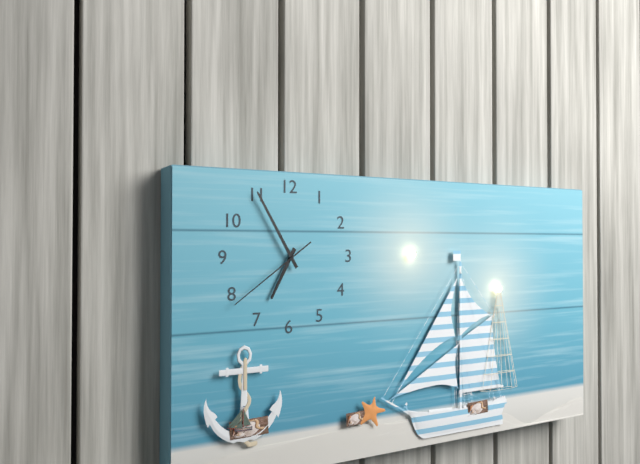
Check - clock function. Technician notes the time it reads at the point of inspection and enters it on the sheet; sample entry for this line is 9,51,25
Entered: 6,55,39
